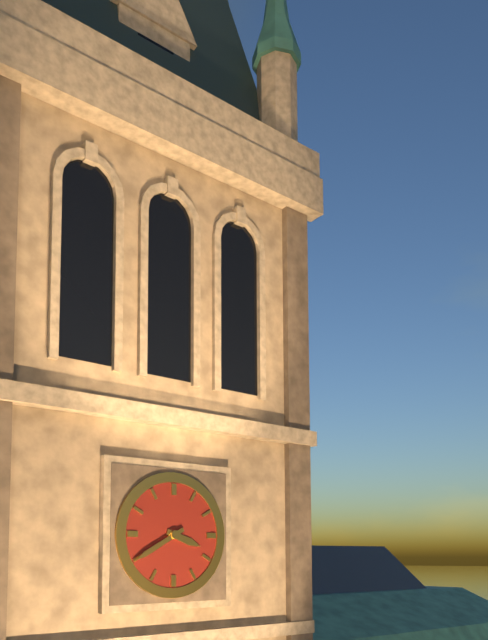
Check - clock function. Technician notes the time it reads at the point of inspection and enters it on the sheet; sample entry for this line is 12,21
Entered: 3,40
